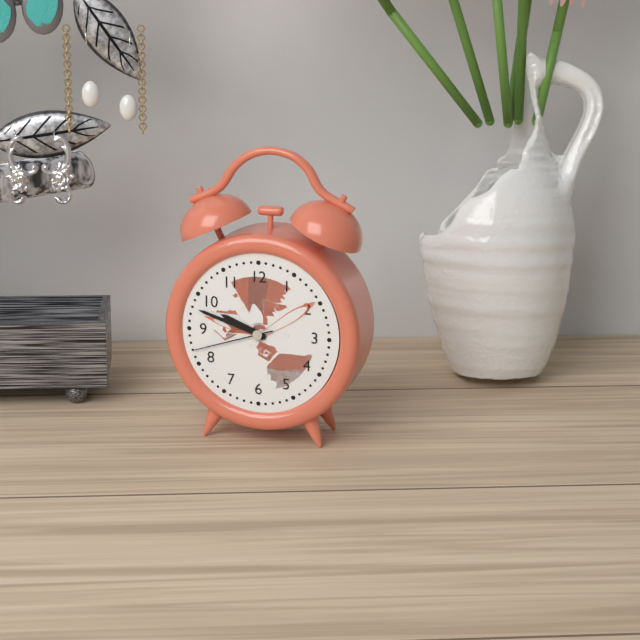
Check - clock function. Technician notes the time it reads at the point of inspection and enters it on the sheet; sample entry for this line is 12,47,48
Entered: 9,48,42
